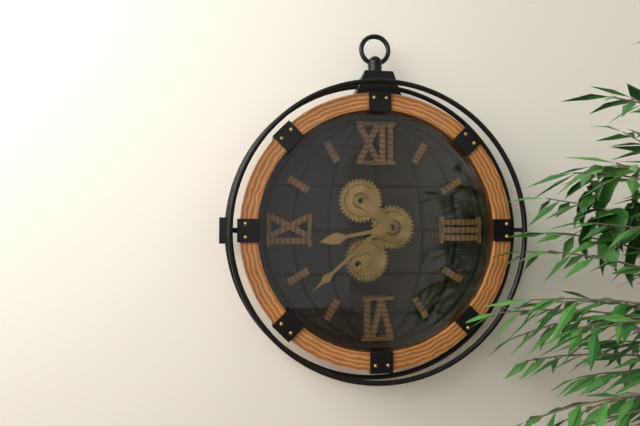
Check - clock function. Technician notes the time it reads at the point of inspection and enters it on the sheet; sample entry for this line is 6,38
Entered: 8,38
